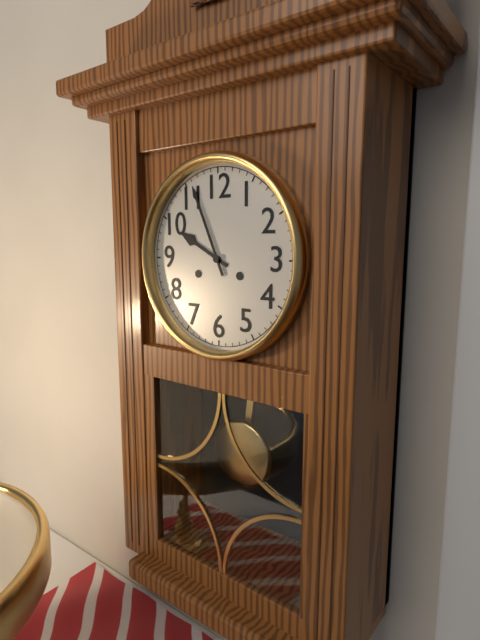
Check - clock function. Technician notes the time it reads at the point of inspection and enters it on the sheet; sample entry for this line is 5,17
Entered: 9,56
